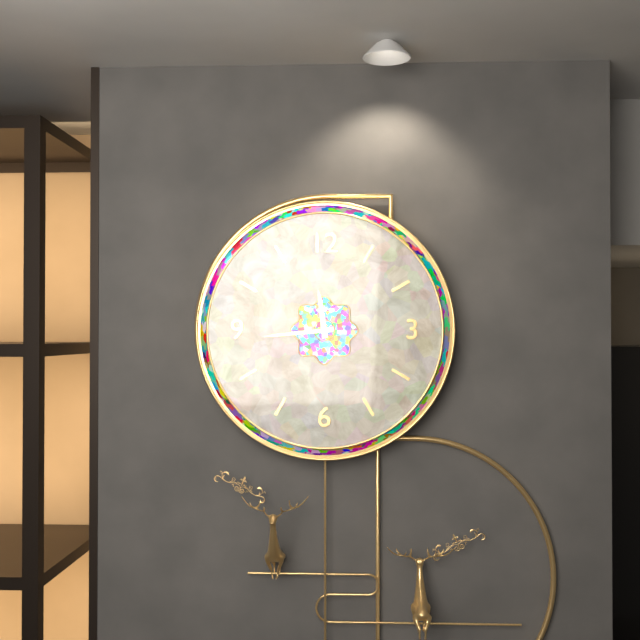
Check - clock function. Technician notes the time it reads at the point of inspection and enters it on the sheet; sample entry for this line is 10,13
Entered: 11,44
